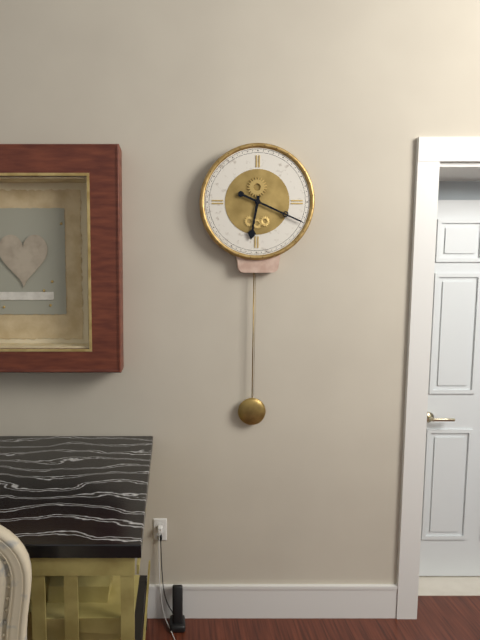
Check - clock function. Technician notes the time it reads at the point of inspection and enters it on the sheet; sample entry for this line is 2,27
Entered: 6,19
